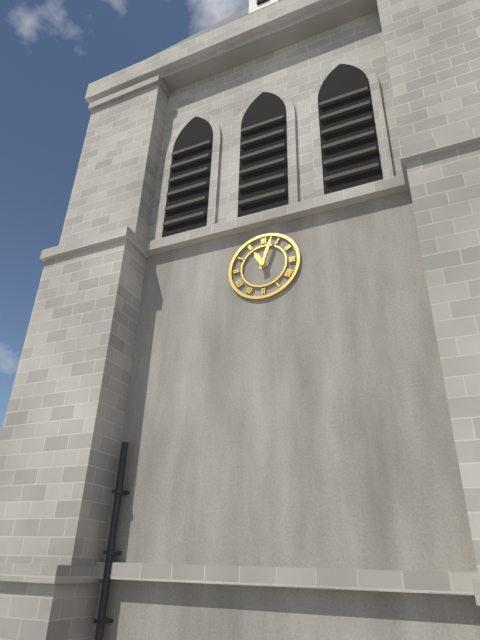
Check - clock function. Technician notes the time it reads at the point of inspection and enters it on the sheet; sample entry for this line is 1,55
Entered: 11,03
